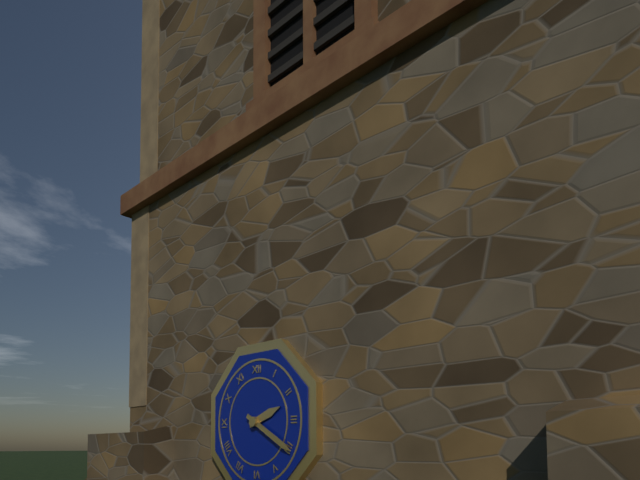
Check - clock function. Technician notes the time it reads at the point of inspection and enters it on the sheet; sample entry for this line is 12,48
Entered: 2,20
